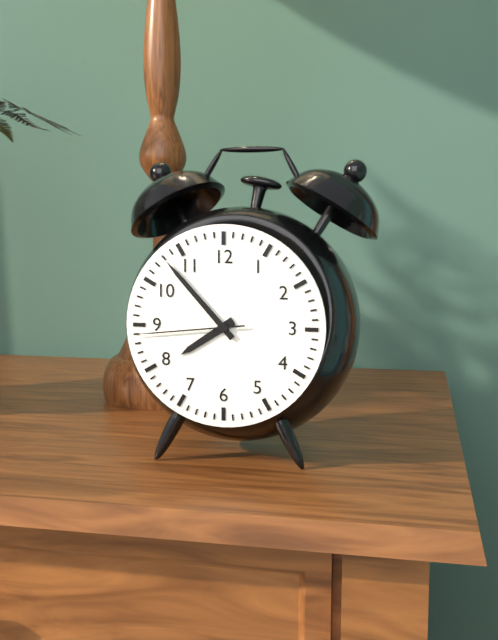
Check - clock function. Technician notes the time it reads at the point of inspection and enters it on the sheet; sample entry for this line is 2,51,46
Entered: 7,53,44
